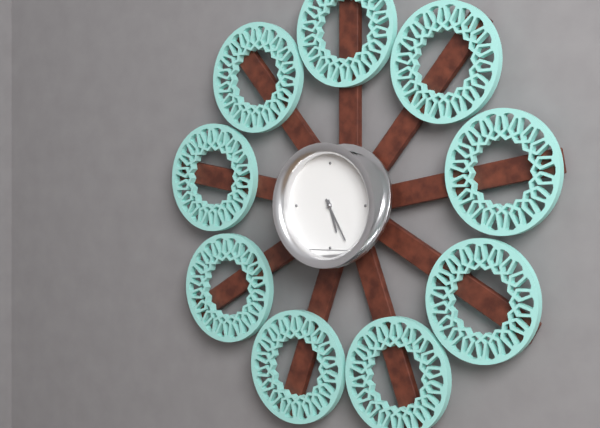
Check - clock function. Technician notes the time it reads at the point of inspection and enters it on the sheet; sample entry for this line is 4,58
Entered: 5,25
